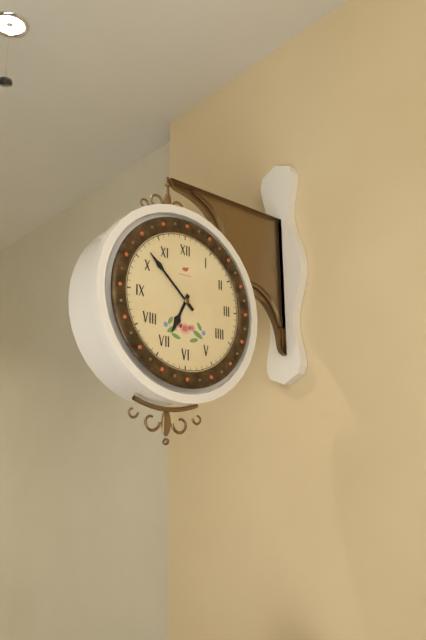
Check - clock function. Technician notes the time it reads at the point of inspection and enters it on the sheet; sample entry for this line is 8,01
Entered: 6,52
